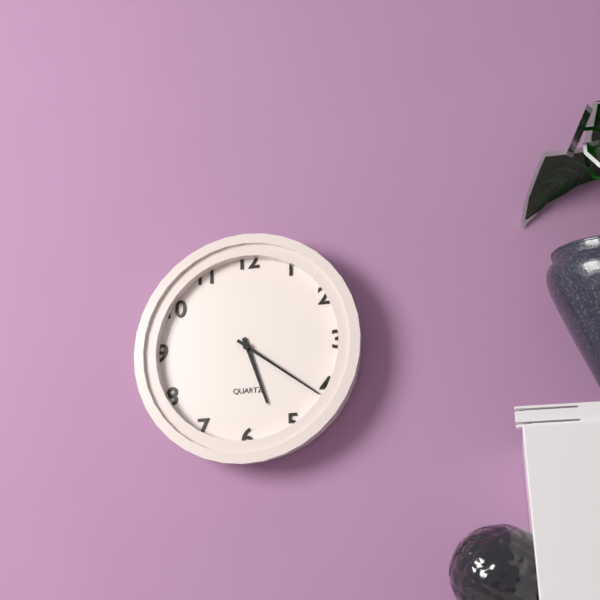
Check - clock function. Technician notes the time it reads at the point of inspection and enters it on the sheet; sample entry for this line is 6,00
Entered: 5,21
